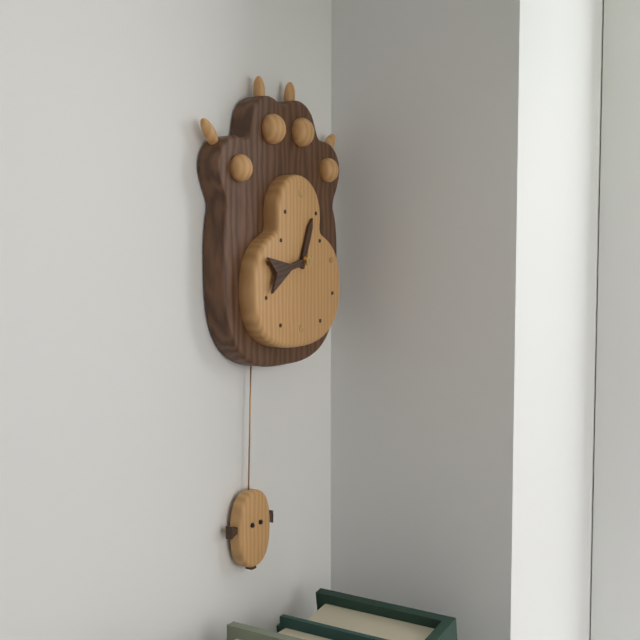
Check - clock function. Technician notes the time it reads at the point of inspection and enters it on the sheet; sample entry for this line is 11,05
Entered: 12,43
